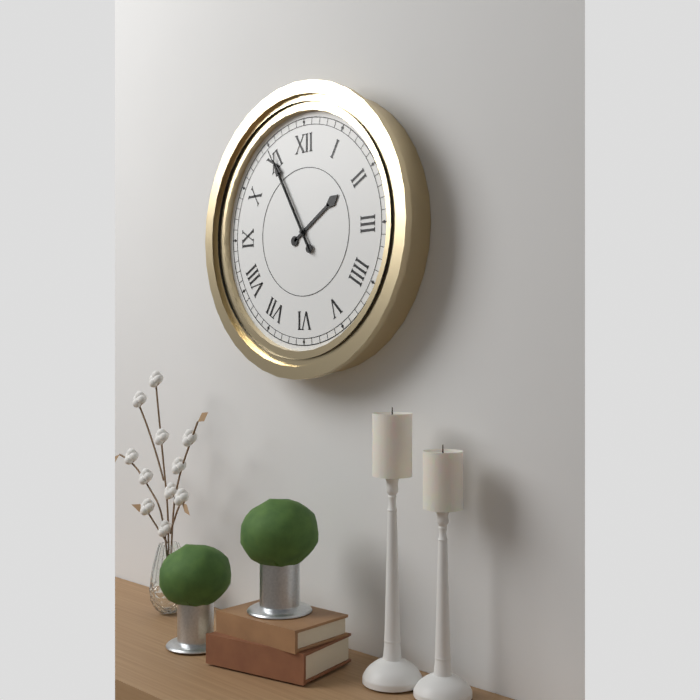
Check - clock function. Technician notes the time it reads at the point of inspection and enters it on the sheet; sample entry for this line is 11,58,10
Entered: 1,55,55
